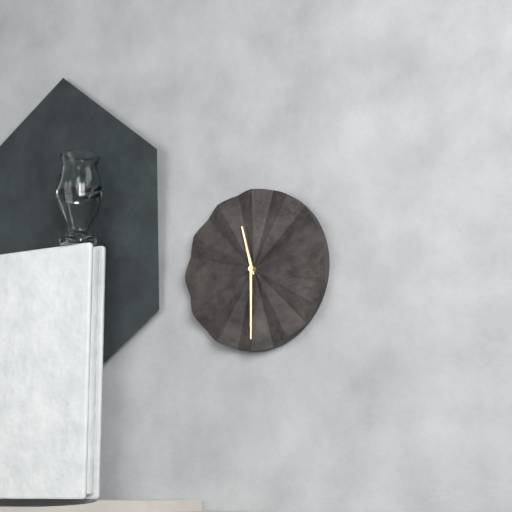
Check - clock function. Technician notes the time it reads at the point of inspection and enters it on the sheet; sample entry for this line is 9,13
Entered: 11,30
